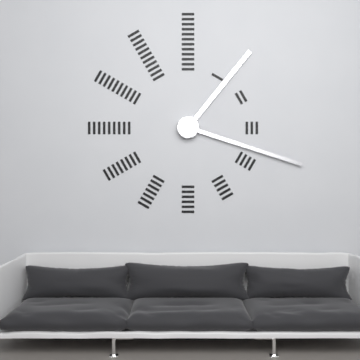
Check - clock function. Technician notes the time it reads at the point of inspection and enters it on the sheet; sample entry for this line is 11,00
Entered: 1,18
